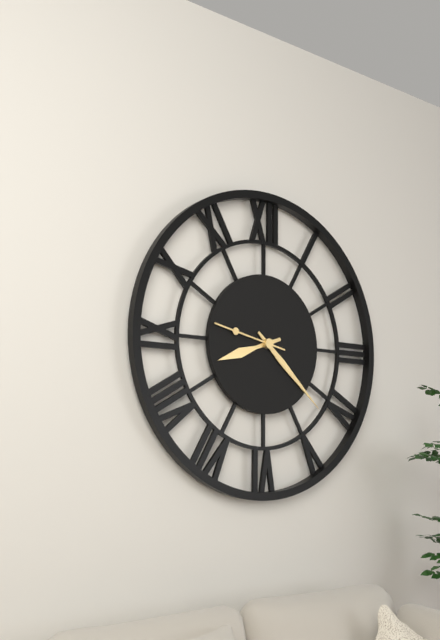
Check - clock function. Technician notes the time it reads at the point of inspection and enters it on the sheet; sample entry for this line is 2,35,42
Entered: 8,22,47
